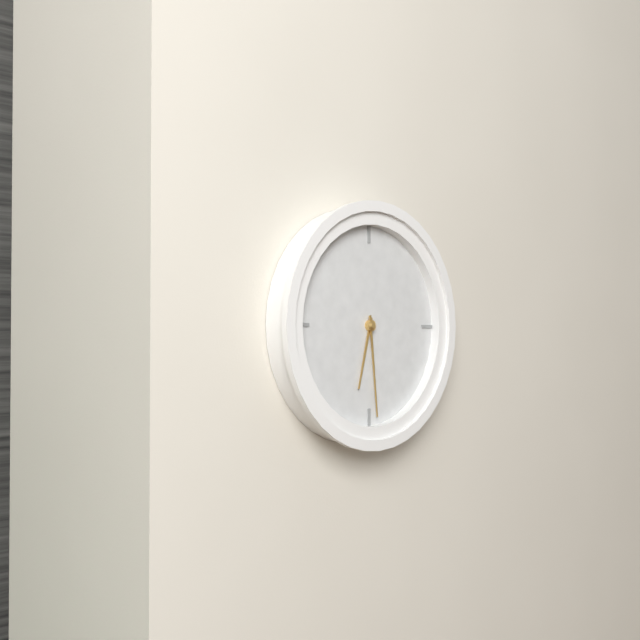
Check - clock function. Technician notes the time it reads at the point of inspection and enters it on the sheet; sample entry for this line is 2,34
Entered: 6,29
